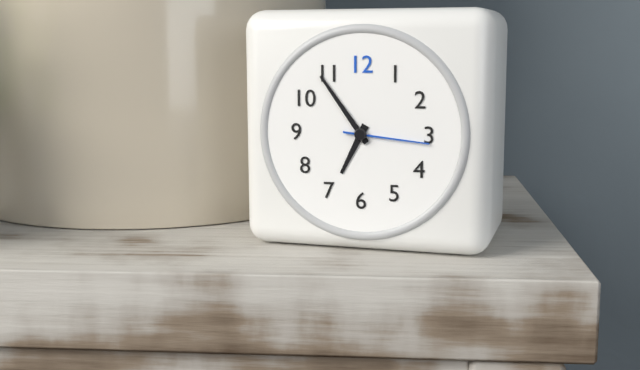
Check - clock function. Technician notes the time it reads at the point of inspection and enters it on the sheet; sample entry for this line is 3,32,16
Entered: 6,54,16
